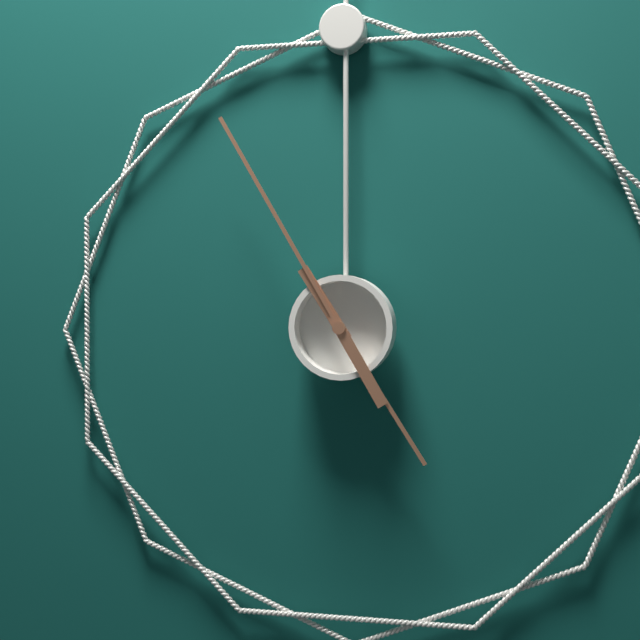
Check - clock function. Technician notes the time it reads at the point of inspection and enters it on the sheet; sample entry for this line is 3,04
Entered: 4,55
